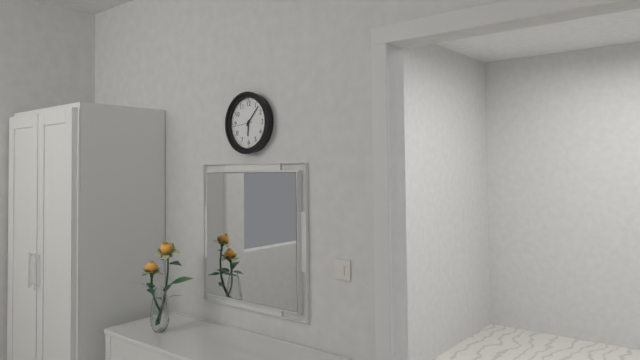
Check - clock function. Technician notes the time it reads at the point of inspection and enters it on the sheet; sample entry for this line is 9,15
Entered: 6,07
